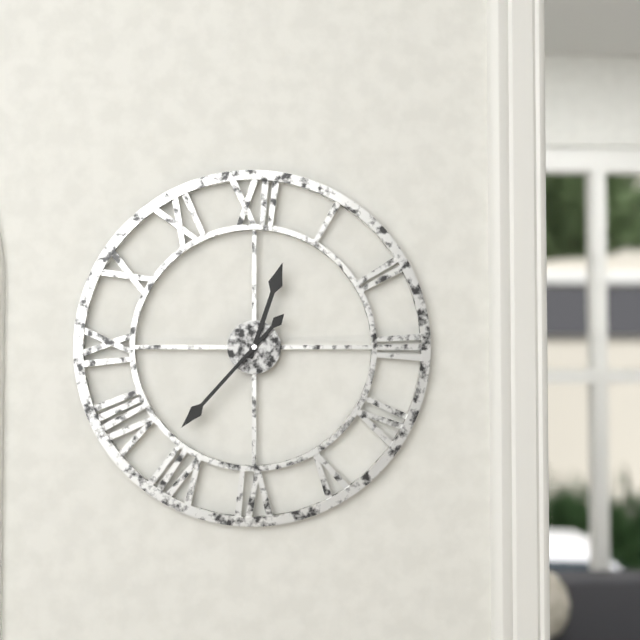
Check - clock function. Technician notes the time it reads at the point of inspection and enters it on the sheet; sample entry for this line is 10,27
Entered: 12,37
